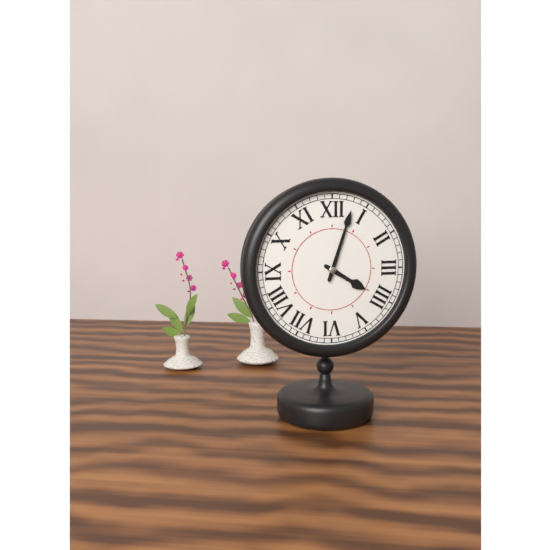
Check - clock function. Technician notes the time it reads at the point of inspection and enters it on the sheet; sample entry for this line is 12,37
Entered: 4,03
